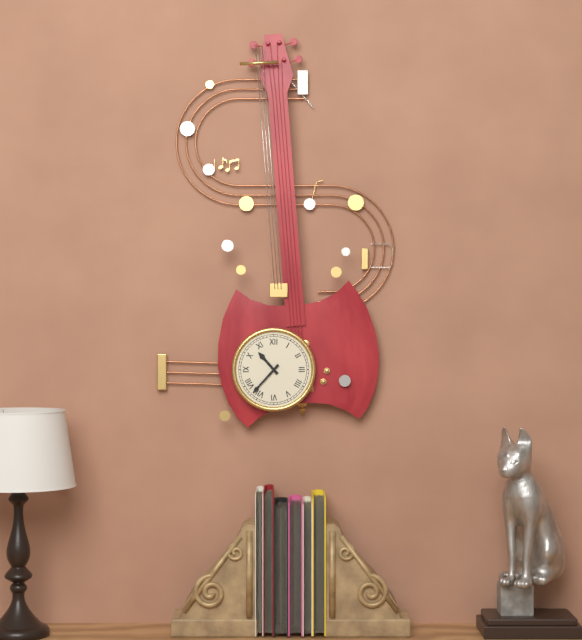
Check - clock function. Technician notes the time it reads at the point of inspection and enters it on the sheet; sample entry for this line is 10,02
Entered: 10,37
